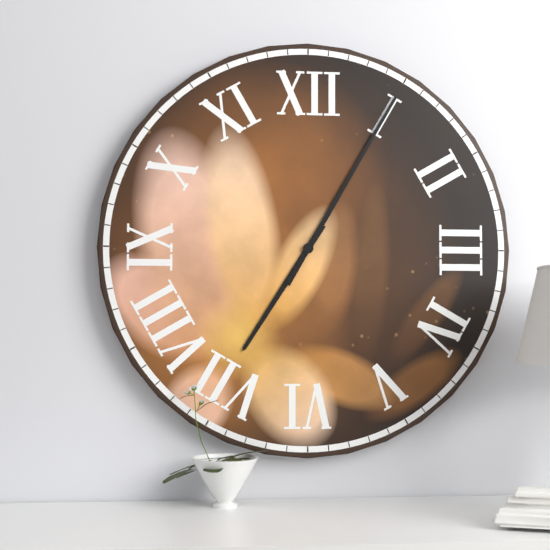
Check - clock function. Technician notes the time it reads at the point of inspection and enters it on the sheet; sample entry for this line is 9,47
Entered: 7,05
